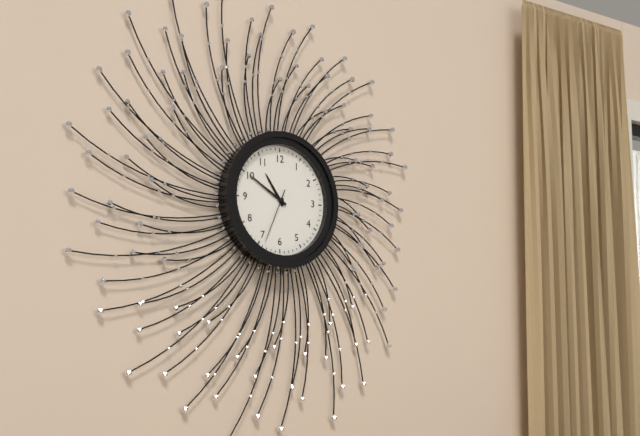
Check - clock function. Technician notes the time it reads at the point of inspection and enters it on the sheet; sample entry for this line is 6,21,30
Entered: 10,50,34
